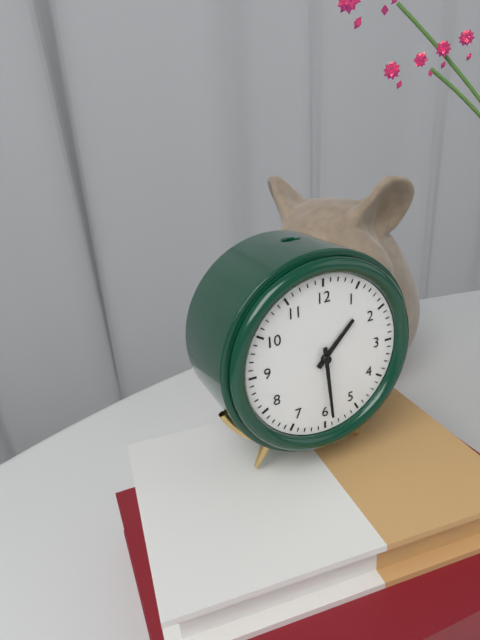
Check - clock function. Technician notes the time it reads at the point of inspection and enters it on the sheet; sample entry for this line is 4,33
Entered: 1,29
